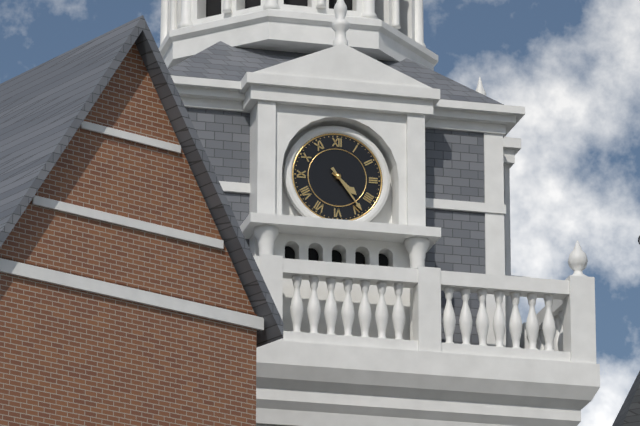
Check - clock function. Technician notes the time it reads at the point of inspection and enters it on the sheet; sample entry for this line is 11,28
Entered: 4,24
